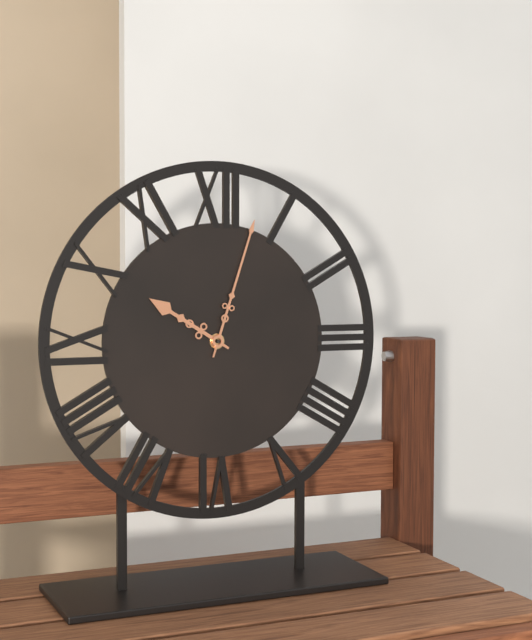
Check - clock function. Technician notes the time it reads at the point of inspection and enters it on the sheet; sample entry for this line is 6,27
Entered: 10,03
